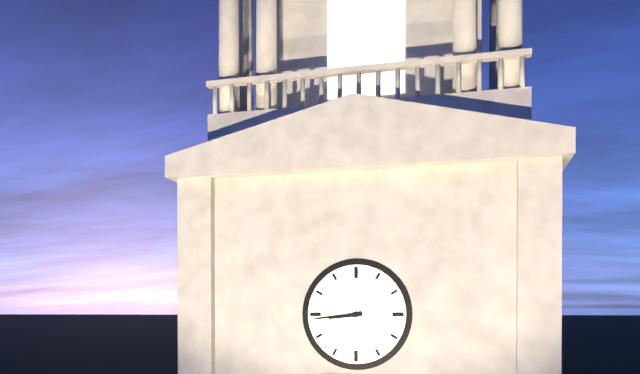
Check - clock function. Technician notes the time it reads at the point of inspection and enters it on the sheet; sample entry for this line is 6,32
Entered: 8,44
